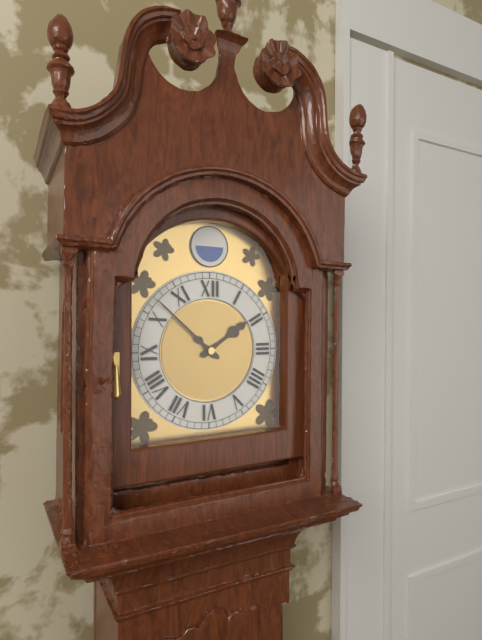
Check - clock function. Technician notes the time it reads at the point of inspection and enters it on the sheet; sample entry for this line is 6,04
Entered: 1,52
